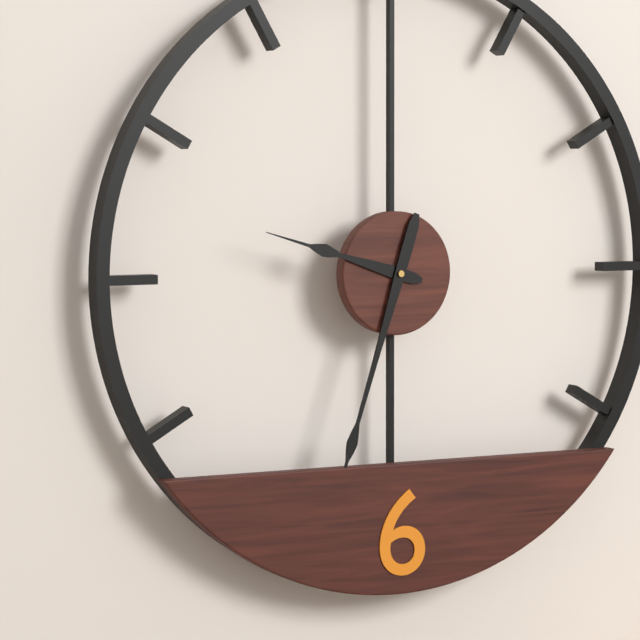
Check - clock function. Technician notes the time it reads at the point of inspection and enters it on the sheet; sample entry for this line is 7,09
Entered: 9,33
